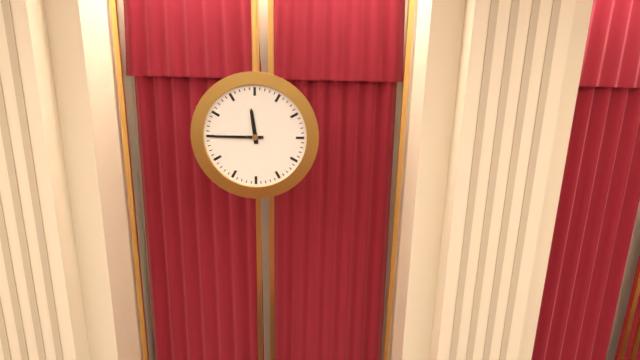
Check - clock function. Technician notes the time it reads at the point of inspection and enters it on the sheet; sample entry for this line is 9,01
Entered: 11,45
